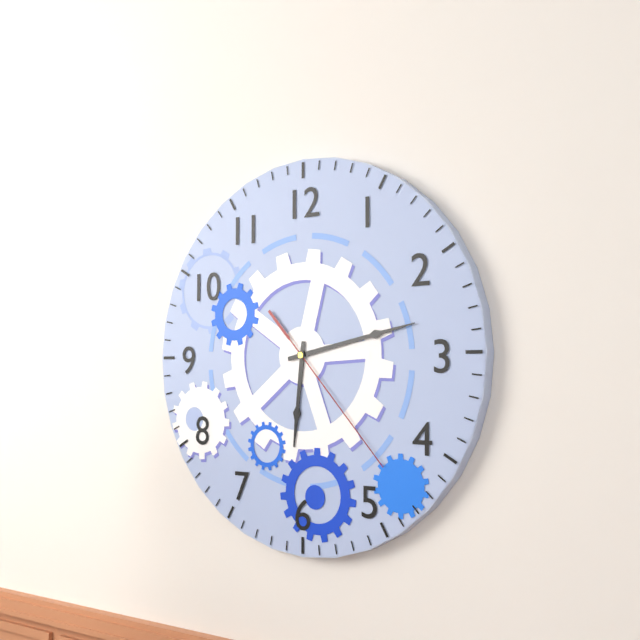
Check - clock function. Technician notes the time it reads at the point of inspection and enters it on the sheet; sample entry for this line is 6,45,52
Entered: 6,13,23
